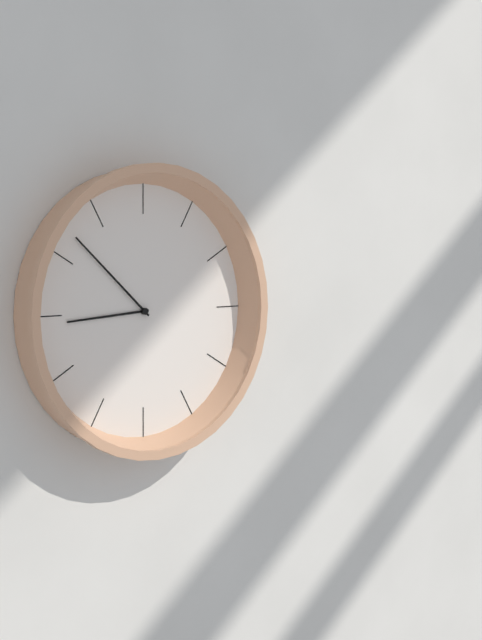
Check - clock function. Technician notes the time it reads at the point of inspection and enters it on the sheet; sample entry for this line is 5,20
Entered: 8,52
